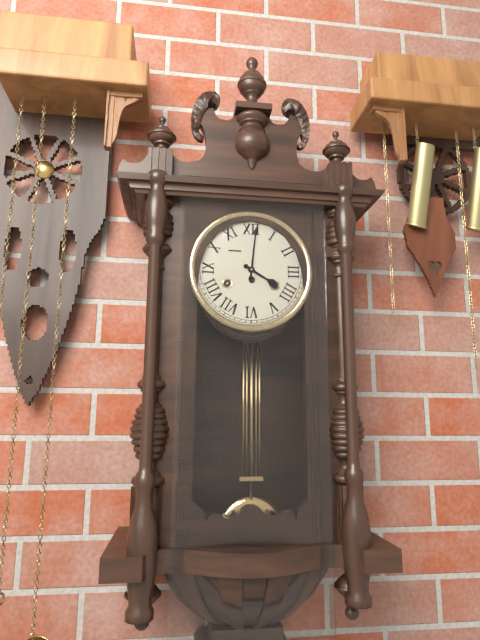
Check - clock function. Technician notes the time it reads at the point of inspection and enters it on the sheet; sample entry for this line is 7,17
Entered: 4,01
